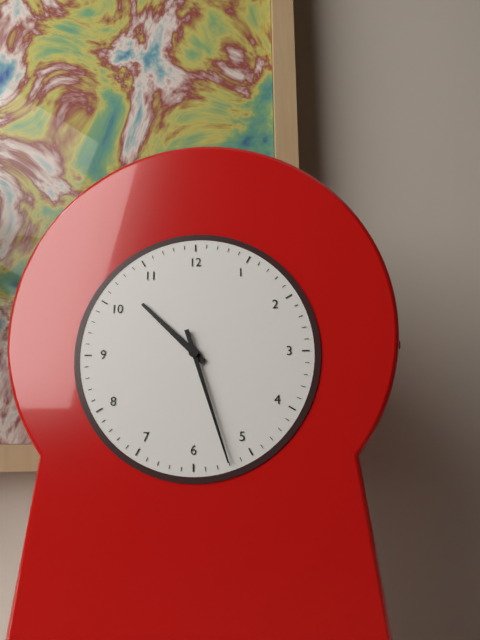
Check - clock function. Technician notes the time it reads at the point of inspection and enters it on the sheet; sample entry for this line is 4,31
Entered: 10,27
